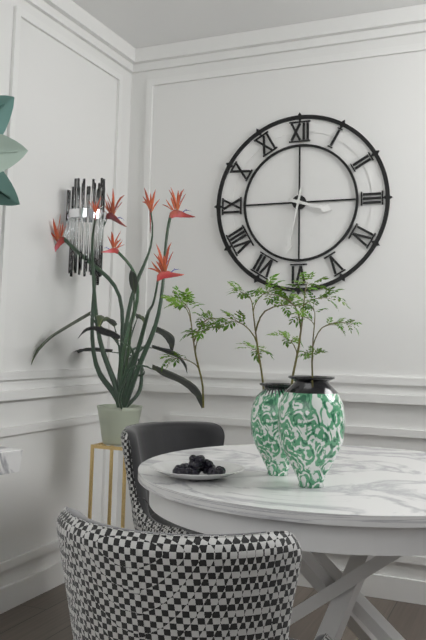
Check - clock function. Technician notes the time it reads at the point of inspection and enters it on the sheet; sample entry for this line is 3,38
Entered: 3,32
